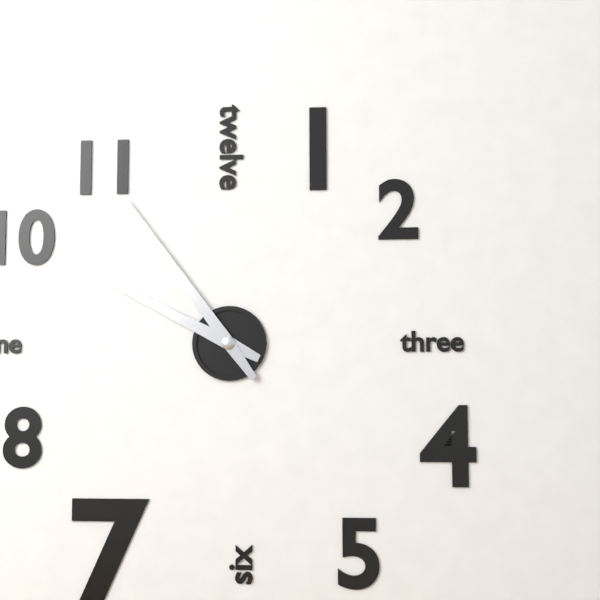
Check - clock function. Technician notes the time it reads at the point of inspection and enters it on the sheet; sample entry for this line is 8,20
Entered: 9,54
